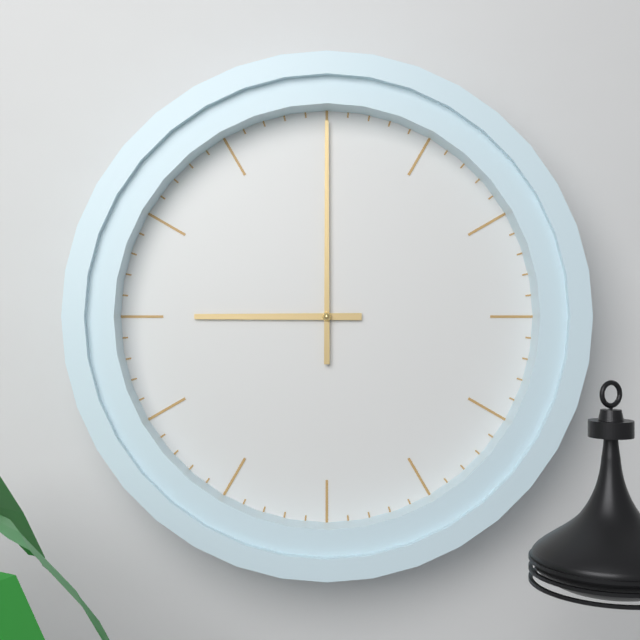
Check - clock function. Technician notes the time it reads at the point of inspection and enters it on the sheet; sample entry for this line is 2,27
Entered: 9,00
